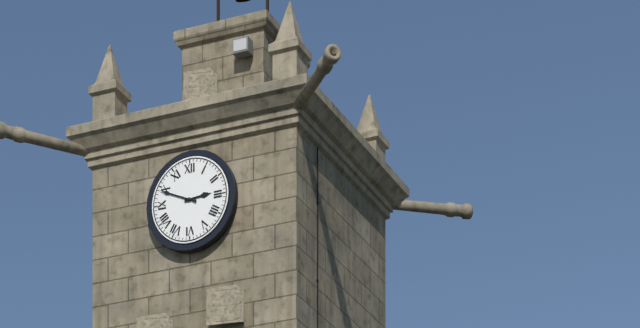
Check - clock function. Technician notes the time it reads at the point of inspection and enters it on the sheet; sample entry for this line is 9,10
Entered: 2,49
